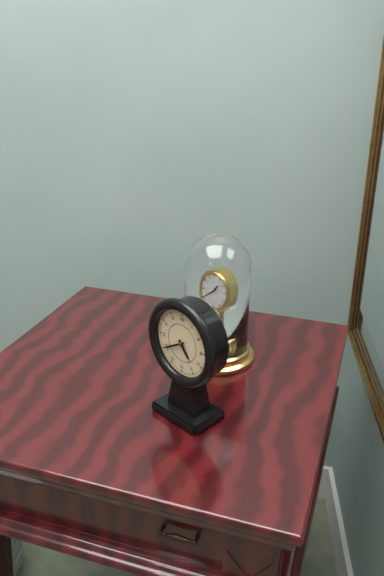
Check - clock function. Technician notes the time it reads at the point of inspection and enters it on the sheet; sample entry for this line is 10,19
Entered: 4,40
